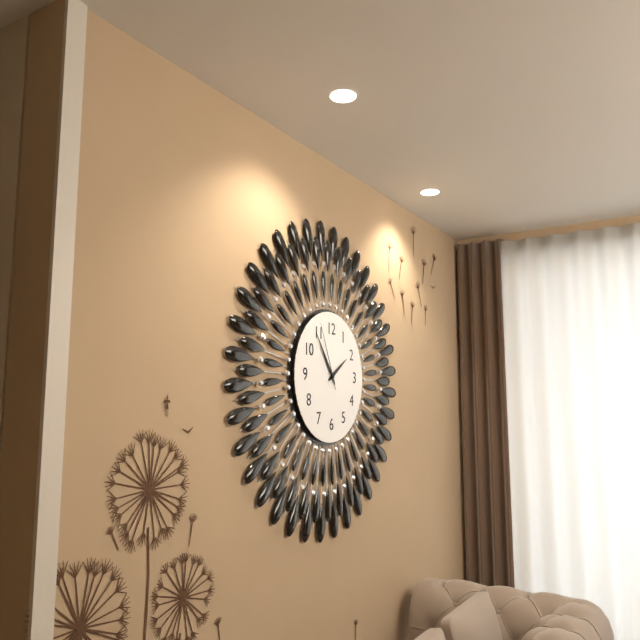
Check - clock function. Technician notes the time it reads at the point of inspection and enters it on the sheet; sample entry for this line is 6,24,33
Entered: 1,54,56
